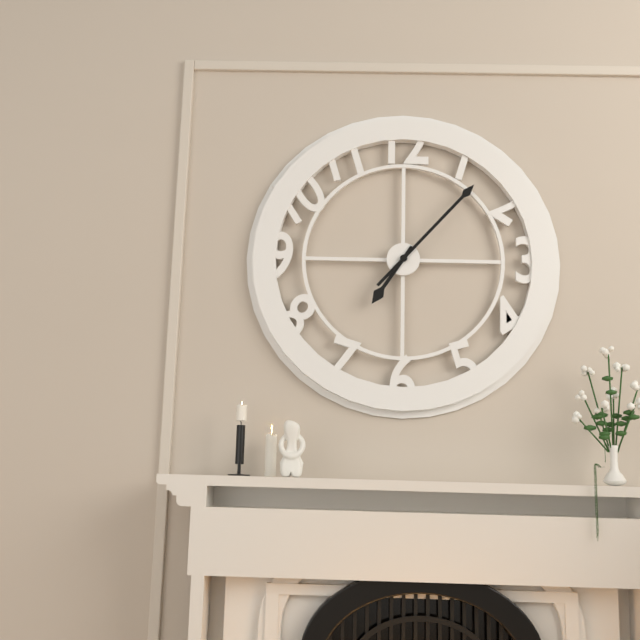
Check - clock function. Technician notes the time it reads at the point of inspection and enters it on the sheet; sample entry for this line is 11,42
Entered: 7,07
